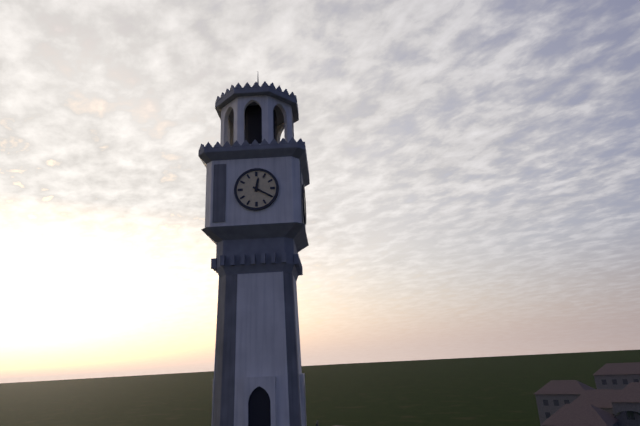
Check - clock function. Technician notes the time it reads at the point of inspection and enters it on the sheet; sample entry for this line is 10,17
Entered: 12,20
